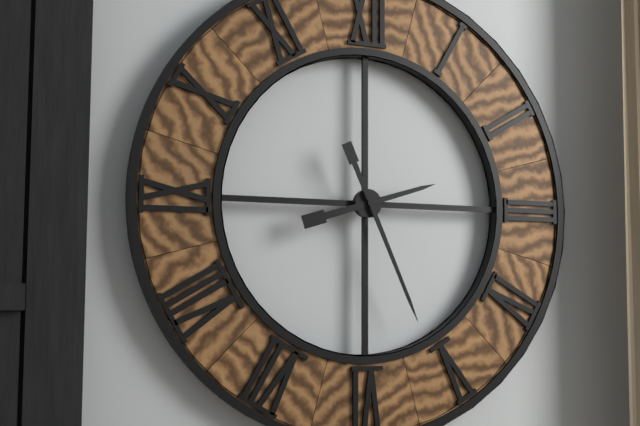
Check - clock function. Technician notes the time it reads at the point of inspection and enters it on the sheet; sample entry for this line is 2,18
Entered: 2,26
